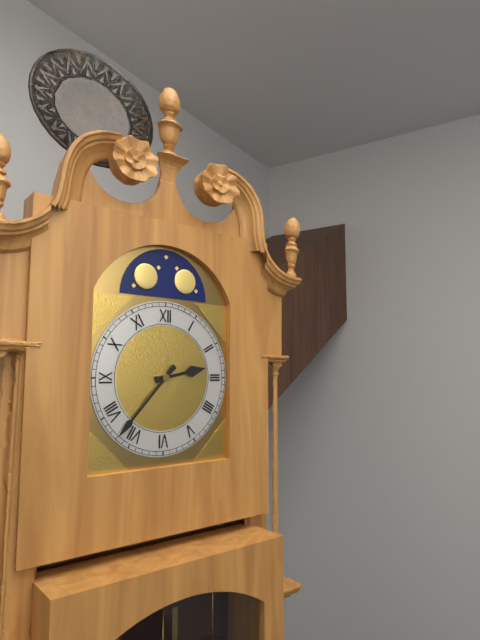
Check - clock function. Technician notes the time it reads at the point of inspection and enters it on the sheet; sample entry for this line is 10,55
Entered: 2,37
